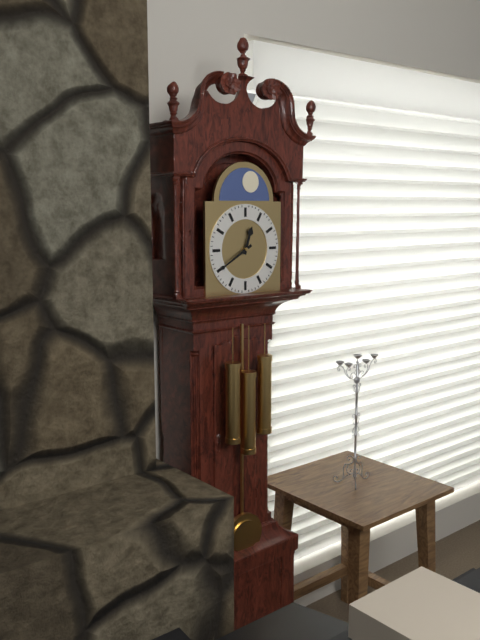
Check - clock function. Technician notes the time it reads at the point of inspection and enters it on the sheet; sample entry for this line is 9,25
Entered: 12,40
